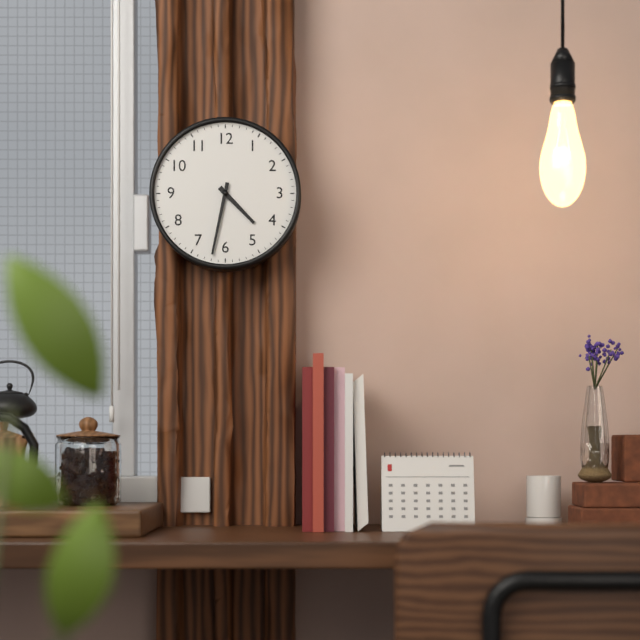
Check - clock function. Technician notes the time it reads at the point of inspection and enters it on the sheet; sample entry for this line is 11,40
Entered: 4,32
